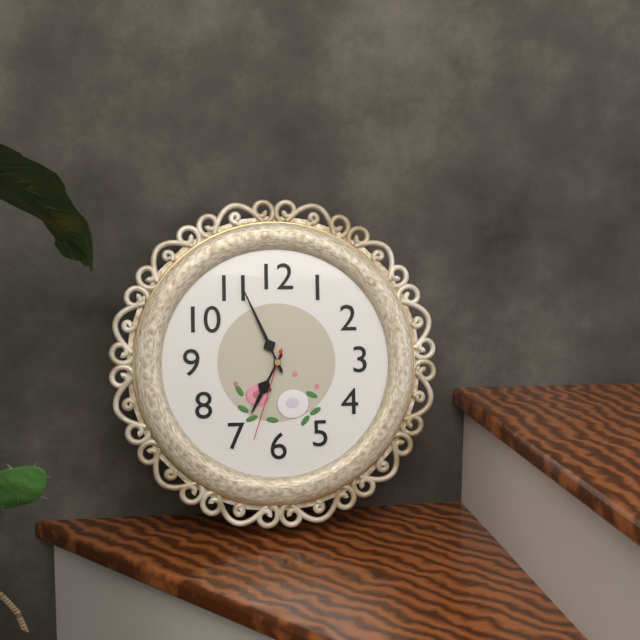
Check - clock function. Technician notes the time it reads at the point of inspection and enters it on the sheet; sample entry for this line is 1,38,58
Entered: 6,56,33
